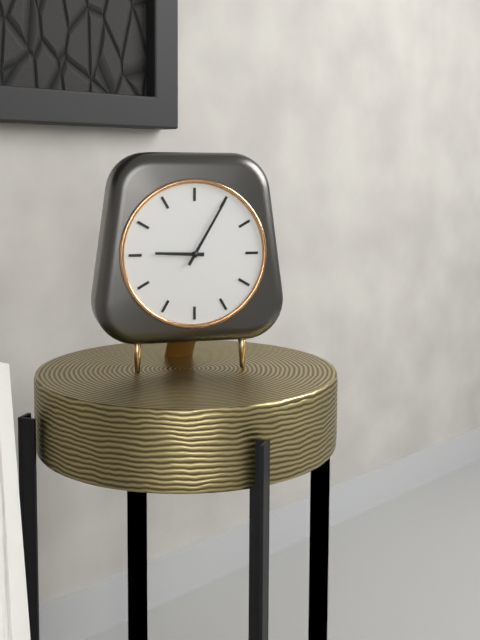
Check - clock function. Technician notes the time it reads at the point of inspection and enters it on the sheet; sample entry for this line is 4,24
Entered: 9,05
